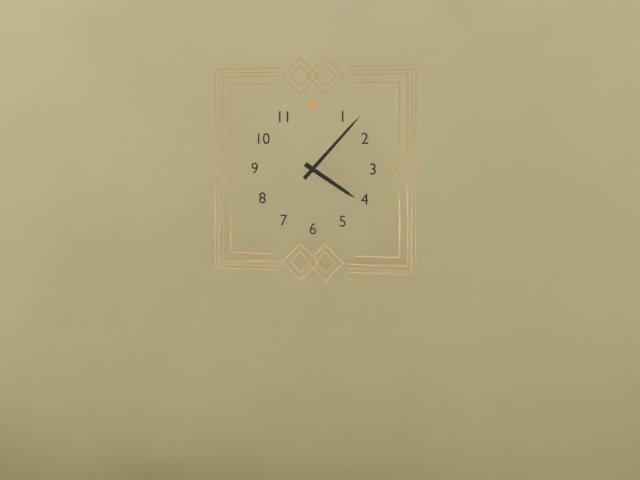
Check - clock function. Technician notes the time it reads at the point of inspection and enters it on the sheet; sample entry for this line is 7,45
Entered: 4,07
